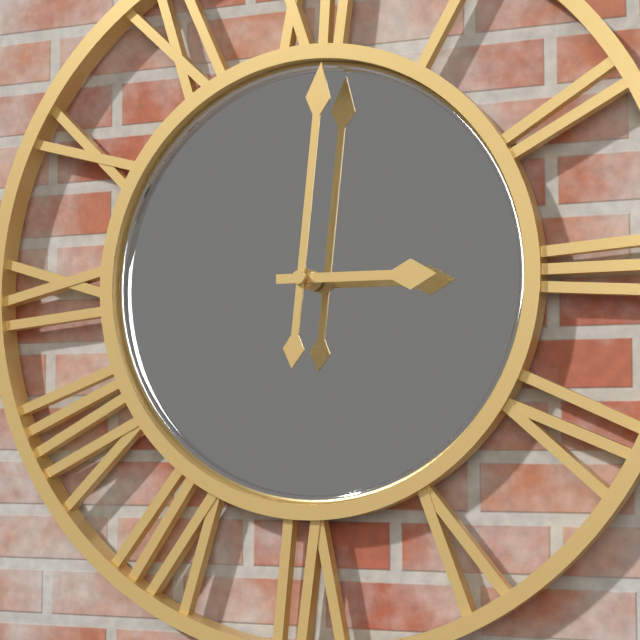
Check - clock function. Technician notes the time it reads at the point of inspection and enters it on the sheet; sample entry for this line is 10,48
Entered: 3,01
